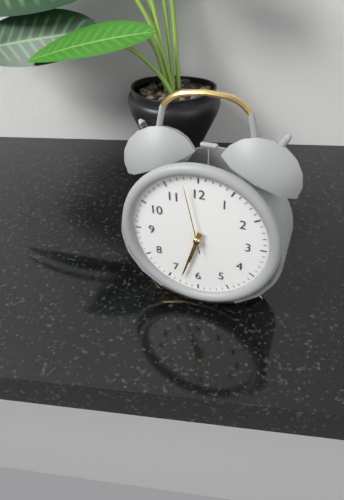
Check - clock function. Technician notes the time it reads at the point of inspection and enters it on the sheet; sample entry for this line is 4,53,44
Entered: 6,33,58
